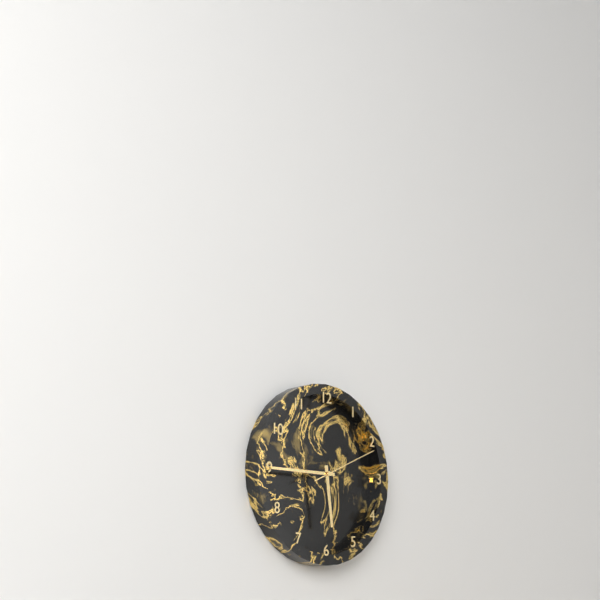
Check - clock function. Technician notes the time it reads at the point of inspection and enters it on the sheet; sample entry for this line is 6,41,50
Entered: 5,45,11
